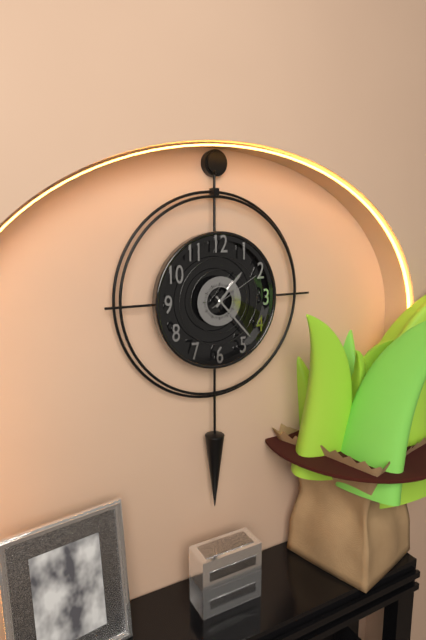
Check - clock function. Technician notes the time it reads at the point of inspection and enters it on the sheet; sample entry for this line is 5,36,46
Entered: 1,23,10
